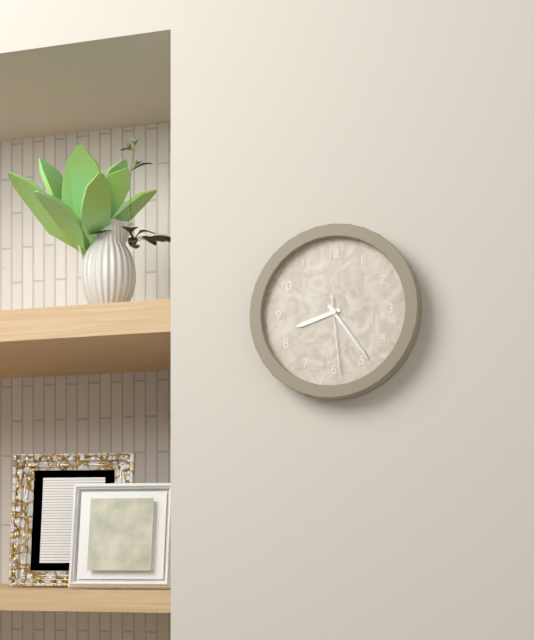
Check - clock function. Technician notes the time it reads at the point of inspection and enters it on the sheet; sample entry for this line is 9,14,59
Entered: 8,24,29
